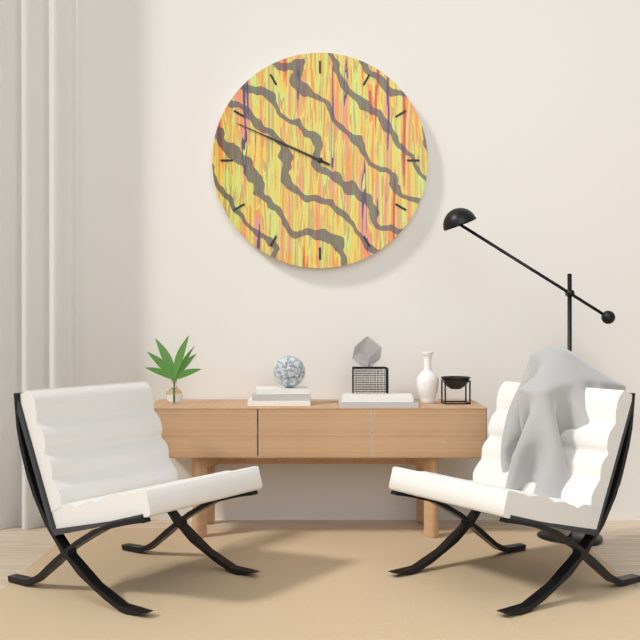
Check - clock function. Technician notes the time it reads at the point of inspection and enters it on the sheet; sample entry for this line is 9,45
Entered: 9,49
